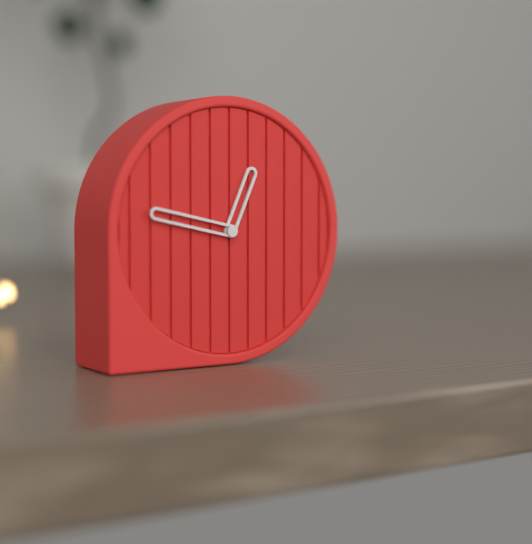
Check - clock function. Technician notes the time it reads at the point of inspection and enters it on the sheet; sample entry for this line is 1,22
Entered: 12,47
